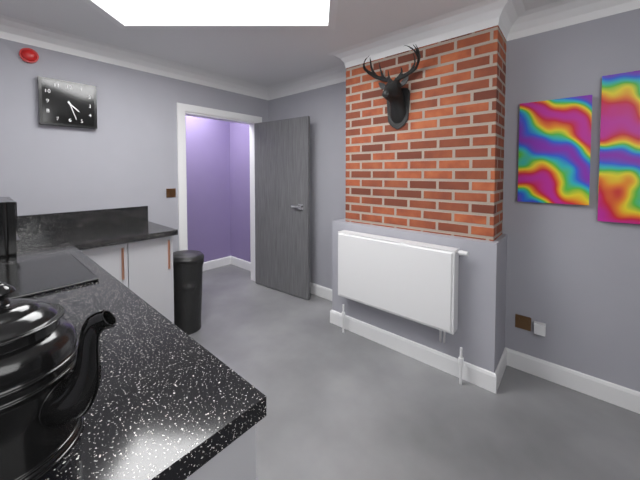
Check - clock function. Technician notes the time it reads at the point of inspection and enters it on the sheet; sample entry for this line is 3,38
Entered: 4,27
